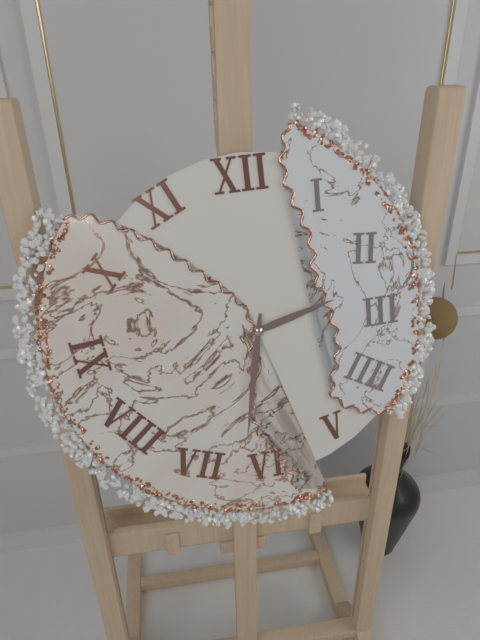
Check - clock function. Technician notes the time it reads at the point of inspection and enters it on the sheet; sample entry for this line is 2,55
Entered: 2,32
